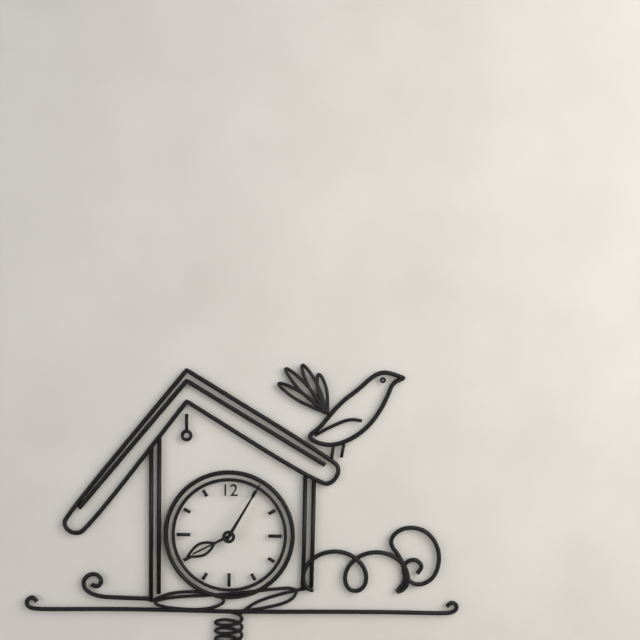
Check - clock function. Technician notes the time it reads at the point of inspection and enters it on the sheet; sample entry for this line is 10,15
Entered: 8,05
